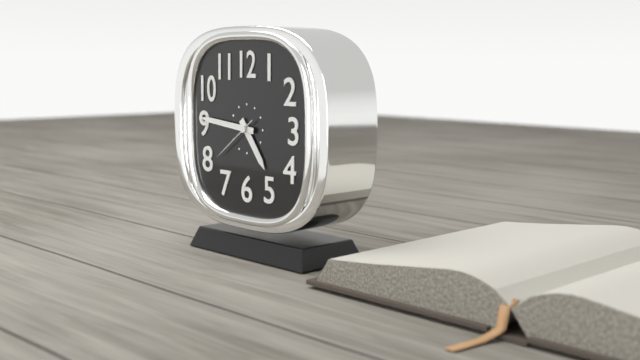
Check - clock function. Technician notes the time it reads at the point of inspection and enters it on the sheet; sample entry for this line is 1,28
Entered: 4,46
